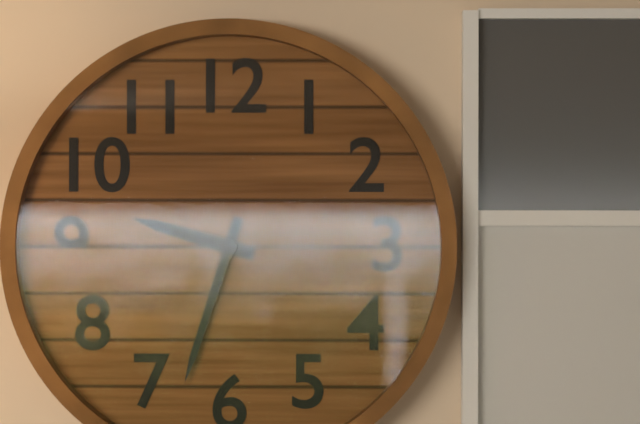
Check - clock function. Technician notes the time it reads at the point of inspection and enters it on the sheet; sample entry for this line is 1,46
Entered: 9,33
